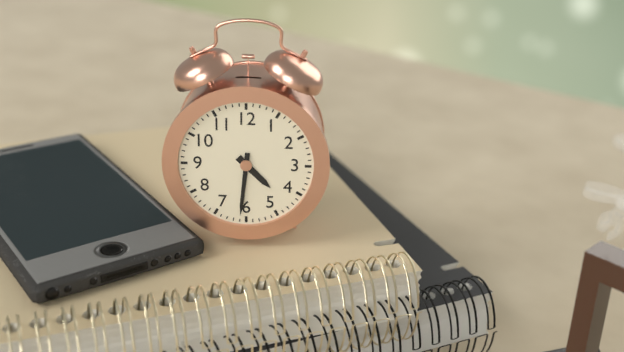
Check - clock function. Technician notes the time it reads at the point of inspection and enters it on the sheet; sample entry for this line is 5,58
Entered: 4,31
